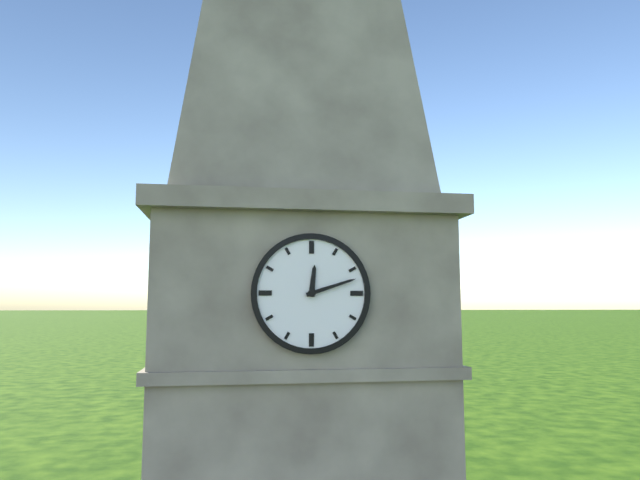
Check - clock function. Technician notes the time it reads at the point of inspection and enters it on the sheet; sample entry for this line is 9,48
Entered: 12,12
